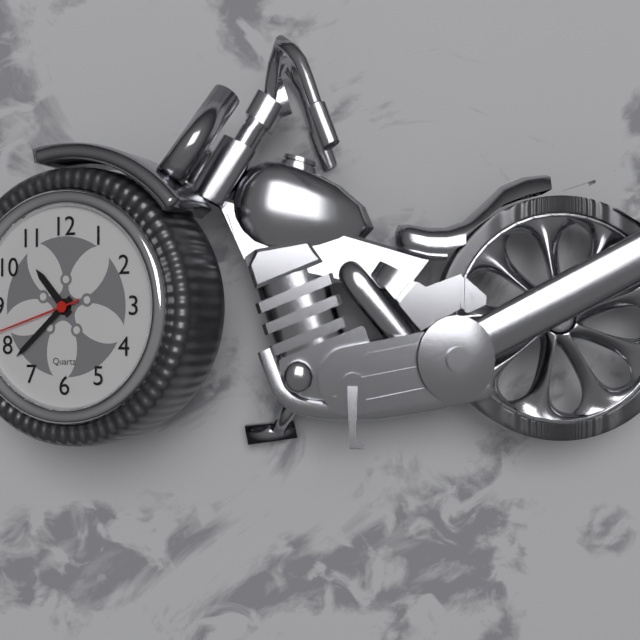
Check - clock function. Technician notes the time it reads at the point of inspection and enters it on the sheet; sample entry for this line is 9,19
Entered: 10,38
